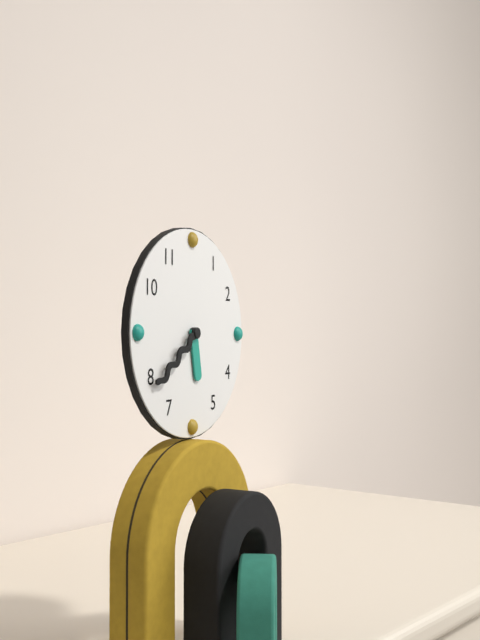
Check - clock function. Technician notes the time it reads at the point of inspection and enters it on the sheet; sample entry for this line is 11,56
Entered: 5,39
